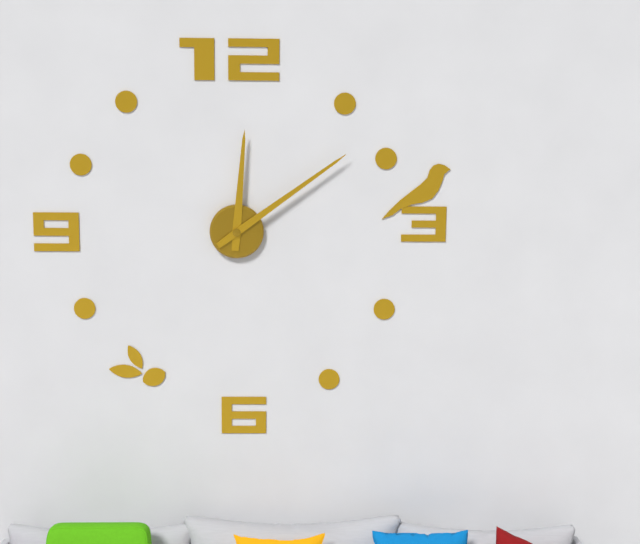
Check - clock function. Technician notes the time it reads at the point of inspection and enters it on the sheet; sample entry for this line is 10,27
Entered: 12,09
